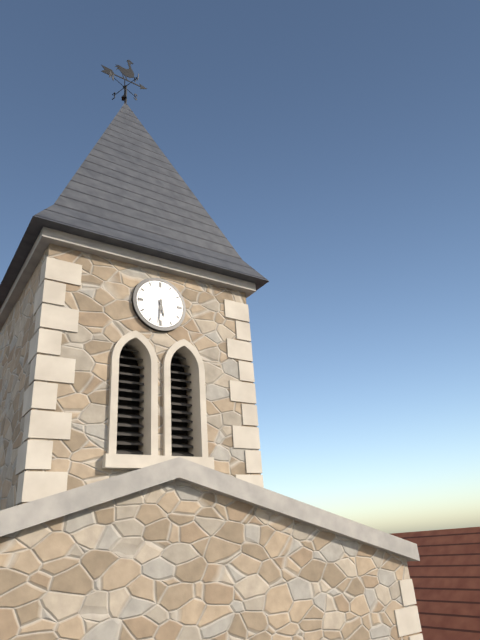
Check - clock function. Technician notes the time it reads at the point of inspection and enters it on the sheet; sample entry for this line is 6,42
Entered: 5,31
